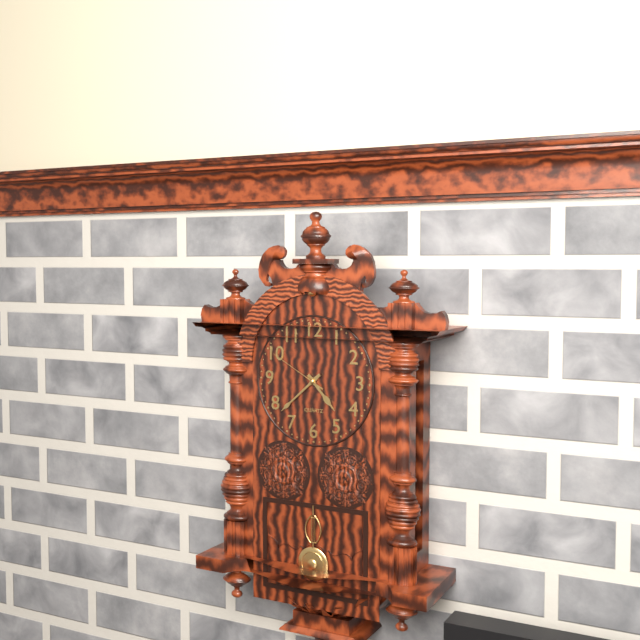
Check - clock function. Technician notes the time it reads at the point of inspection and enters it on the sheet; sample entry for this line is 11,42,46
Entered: 4,38,50
